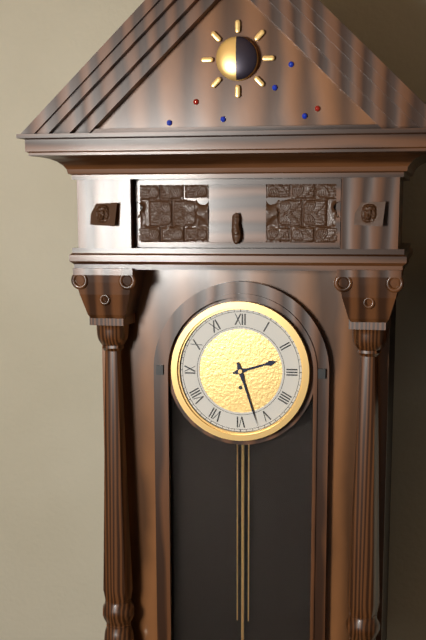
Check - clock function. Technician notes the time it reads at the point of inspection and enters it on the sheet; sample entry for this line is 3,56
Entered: 2,27
